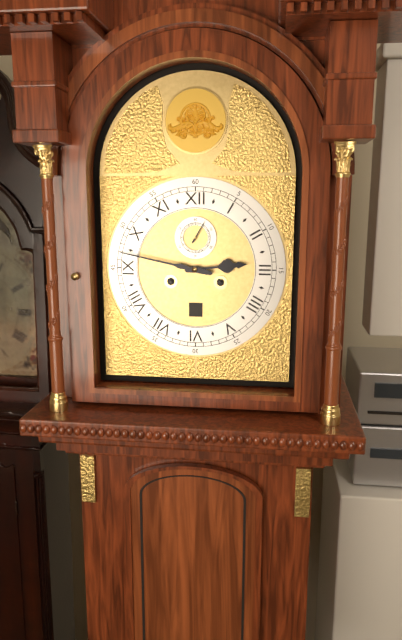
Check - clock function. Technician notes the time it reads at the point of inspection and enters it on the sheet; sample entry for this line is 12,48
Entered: 2,47
